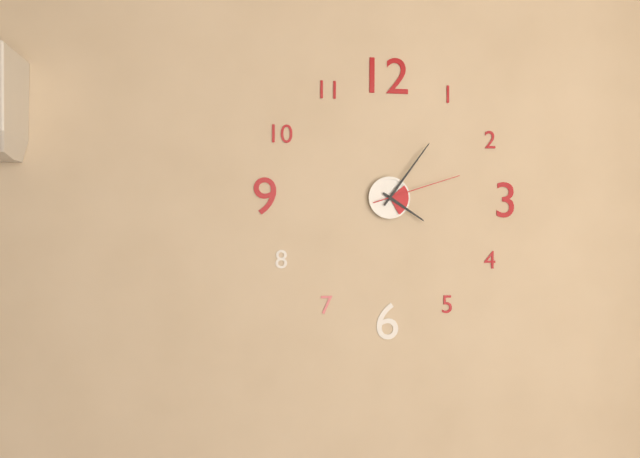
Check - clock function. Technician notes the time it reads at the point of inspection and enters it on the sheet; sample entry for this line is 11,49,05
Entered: 4,06,12
